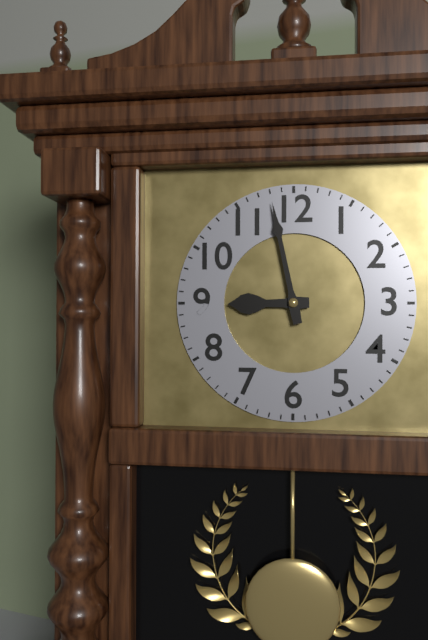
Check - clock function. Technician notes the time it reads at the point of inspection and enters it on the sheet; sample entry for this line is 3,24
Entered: 8,58
